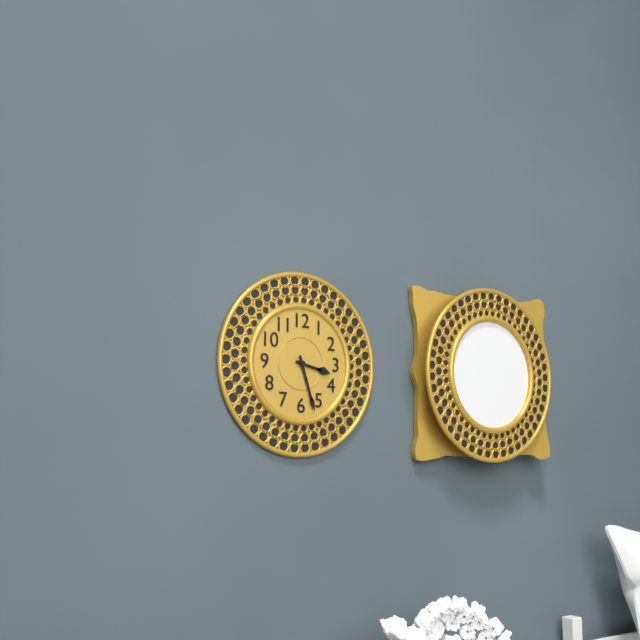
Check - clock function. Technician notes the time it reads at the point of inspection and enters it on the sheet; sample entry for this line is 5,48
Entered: 3,27
